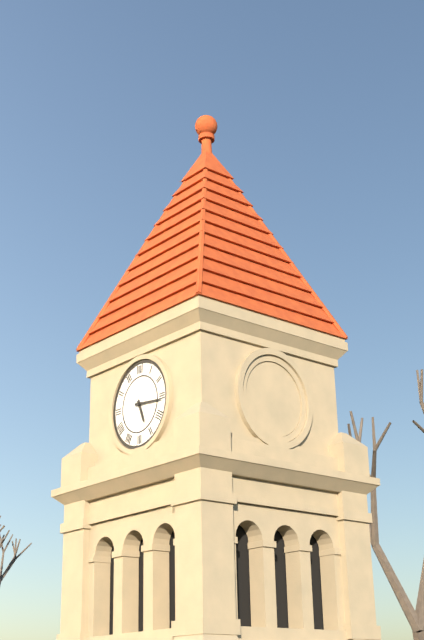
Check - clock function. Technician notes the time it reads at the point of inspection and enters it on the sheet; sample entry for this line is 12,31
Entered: 5,16
